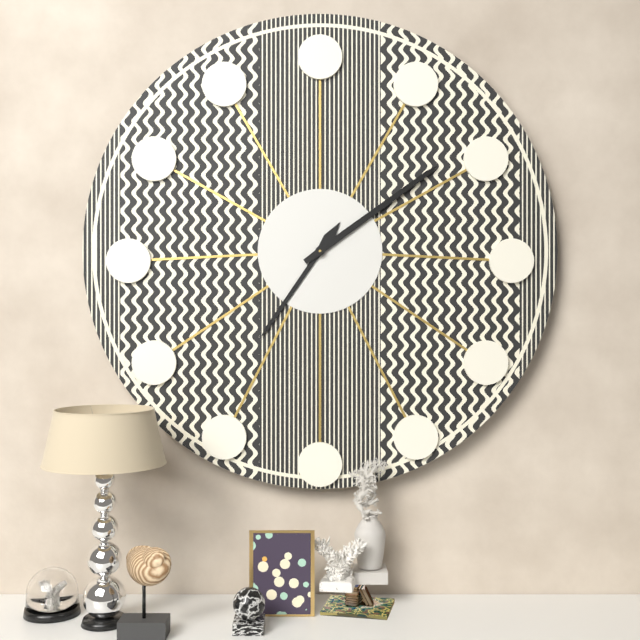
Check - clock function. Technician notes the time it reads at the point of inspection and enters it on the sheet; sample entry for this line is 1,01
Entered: 7,09
